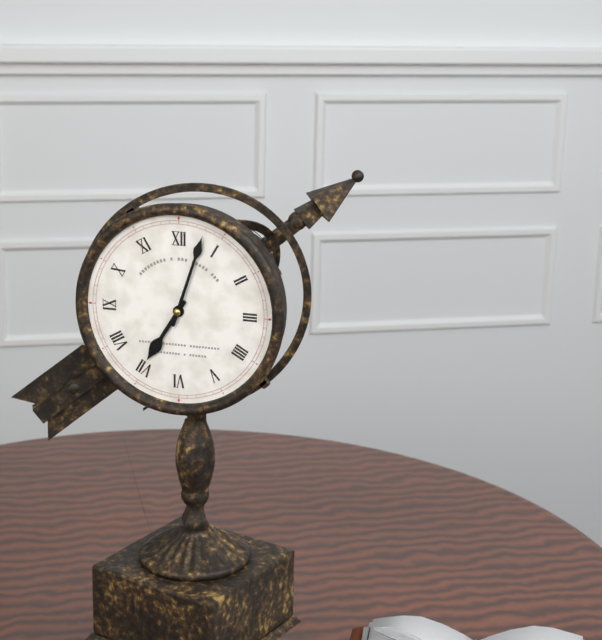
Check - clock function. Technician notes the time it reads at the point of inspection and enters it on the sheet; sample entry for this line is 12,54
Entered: 7,03
